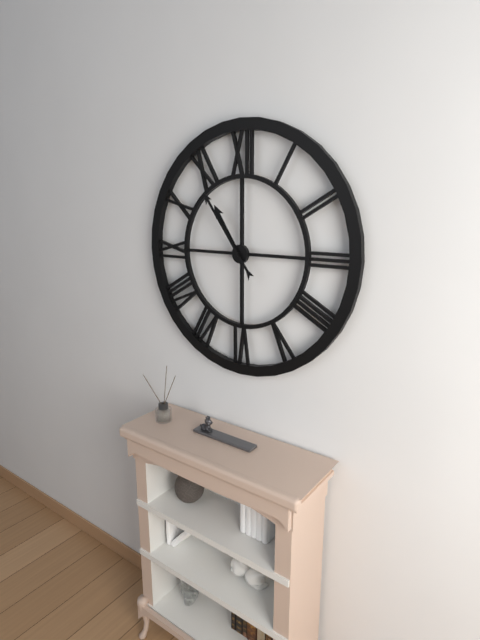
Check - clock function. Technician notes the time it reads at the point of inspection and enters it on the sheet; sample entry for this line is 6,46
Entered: 10,54
